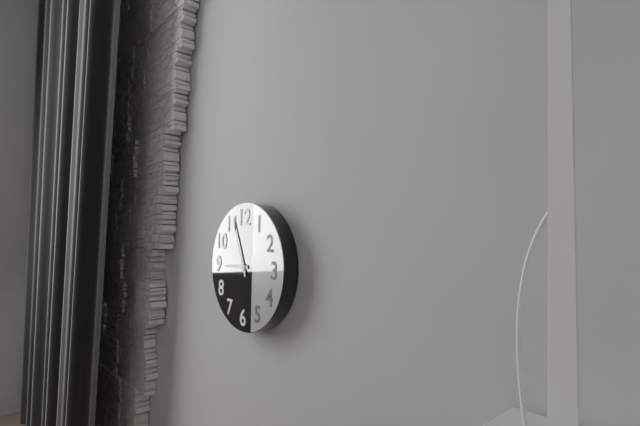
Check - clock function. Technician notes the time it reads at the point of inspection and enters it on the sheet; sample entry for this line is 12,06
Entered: 8,56
